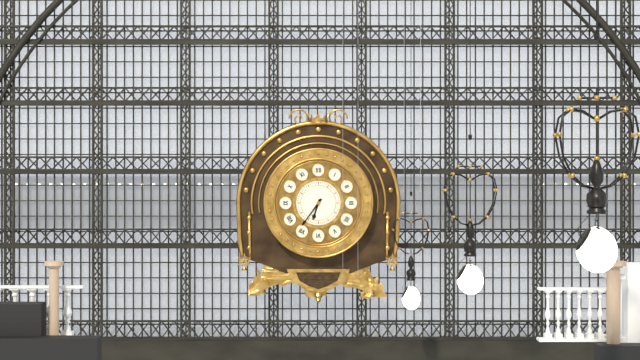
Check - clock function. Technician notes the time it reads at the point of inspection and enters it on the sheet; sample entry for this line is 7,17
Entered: 6,36
